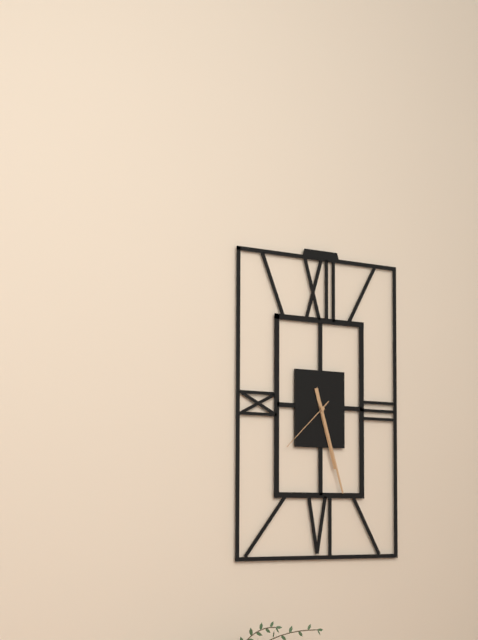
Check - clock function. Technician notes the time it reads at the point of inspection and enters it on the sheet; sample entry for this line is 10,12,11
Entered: 5,27,38
